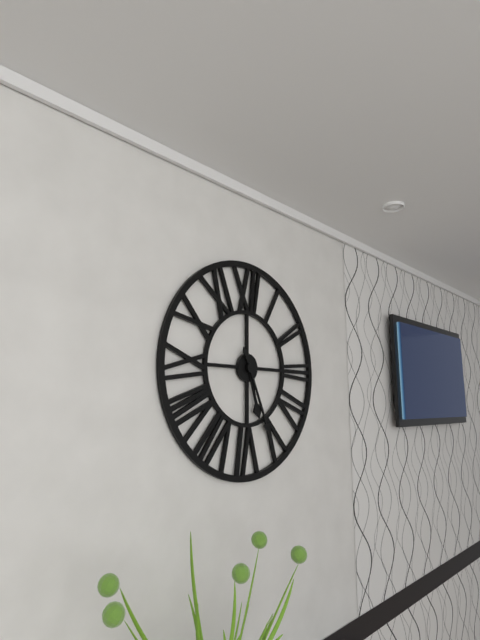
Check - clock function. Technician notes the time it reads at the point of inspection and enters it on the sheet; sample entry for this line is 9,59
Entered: 5,26
